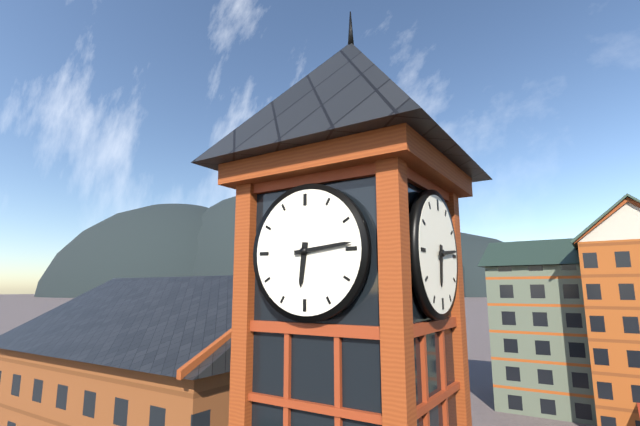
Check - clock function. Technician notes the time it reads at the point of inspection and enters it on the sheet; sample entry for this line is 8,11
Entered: 6,14
